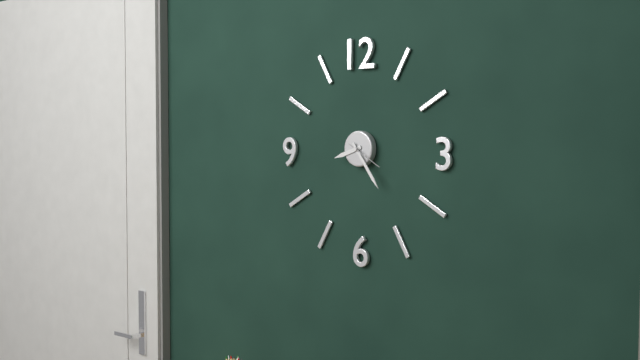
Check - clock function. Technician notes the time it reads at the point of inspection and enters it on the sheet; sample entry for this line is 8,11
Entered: 8,24
